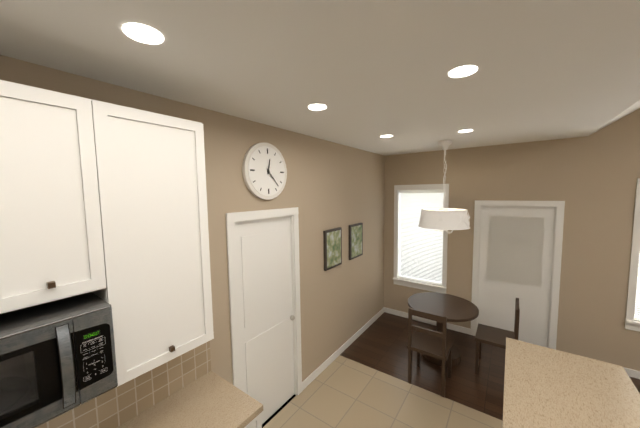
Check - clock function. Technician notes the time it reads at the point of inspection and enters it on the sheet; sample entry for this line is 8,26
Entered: 12,23
